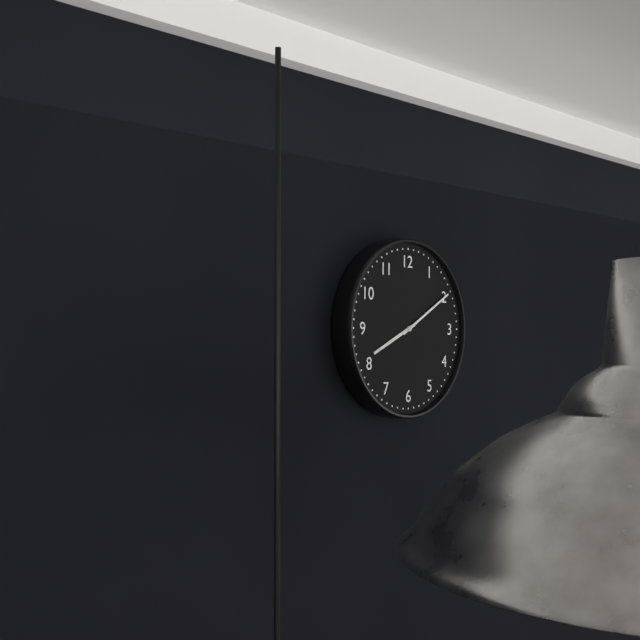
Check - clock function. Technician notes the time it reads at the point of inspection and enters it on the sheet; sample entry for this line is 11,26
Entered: 8,10
